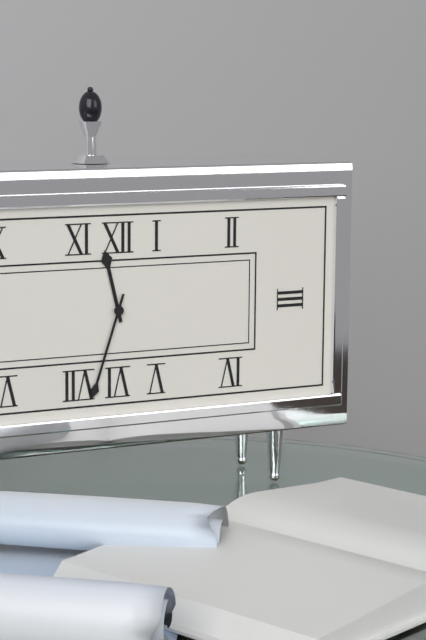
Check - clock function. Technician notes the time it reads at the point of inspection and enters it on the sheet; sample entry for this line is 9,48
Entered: 11,33
